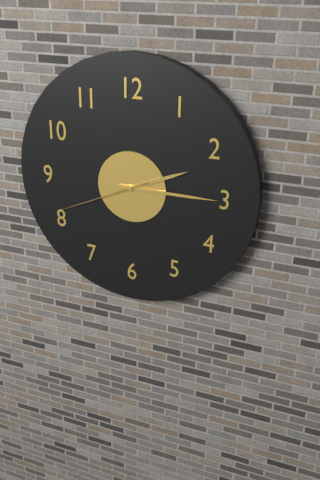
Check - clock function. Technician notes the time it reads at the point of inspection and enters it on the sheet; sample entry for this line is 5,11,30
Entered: 2,15,41
